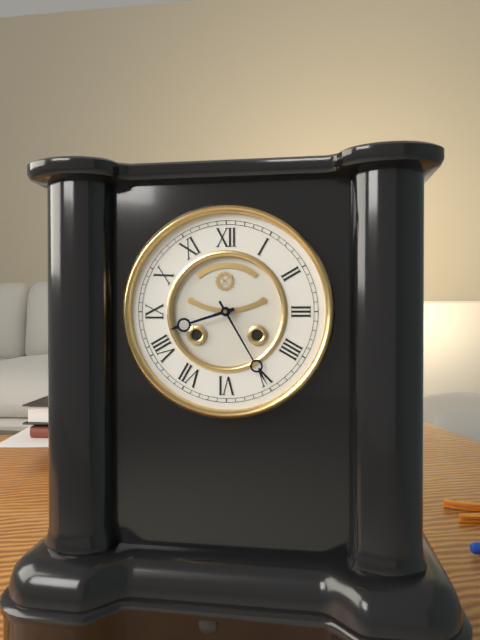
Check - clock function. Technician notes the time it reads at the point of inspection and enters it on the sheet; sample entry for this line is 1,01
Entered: 8,25
